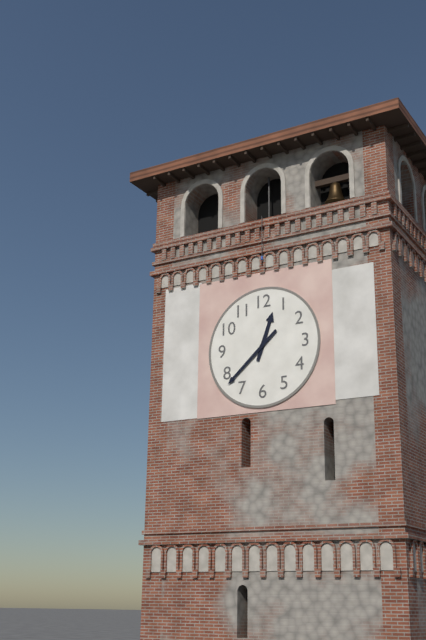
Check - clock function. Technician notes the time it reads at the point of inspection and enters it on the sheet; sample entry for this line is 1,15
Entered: 12,38
